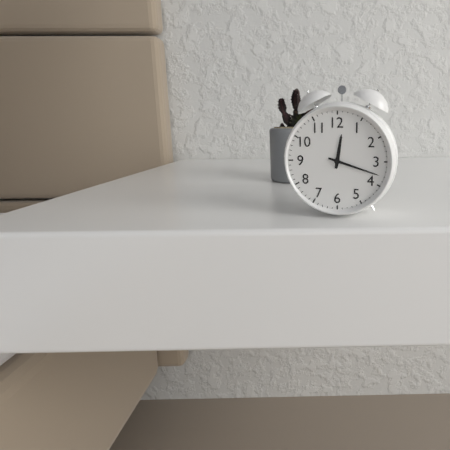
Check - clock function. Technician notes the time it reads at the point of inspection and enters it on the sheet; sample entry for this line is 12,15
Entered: 12,18
